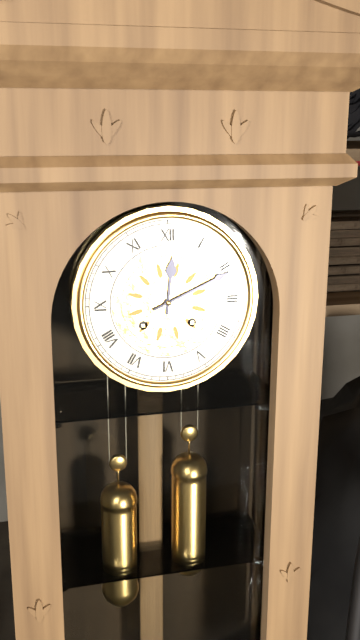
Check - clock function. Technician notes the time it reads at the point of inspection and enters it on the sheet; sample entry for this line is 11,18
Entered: 12,11
